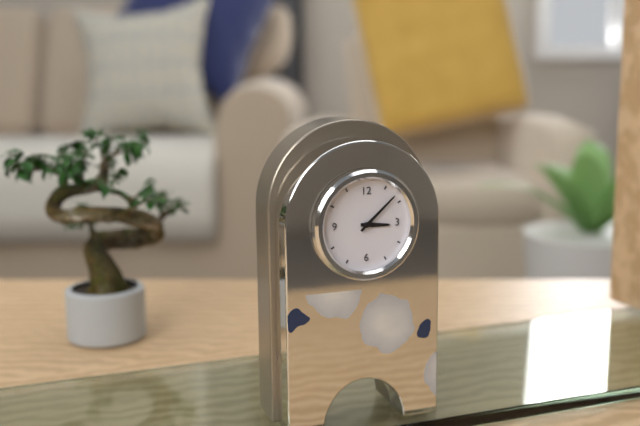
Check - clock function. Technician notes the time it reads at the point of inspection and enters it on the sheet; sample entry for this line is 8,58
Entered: 3,08
